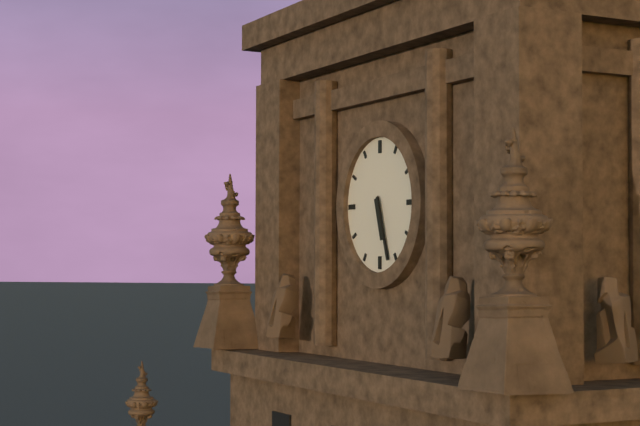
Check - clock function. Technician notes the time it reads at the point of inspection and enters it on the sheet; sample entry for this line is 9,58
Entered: 5,27
